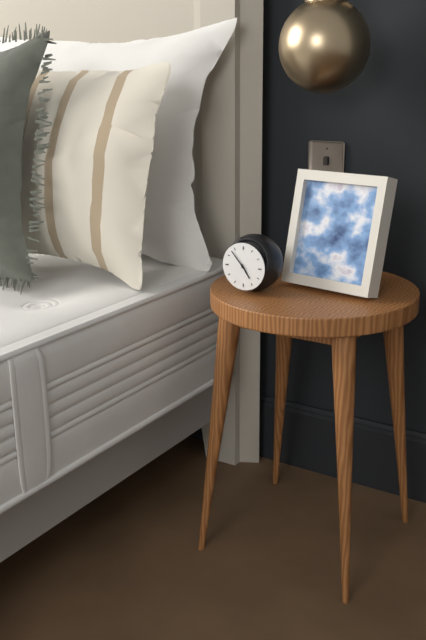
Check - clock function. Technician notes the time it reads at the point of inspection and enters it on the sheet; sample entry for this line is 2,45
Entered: 4,53
